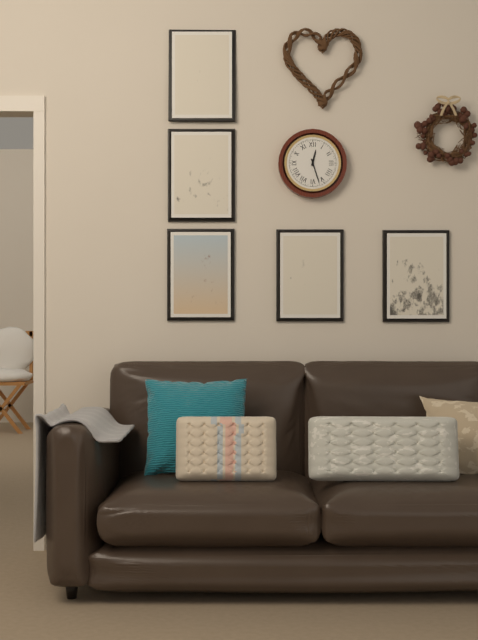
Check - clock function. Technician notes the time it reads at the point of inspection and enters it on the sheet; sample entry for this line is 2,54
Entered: 12,27
